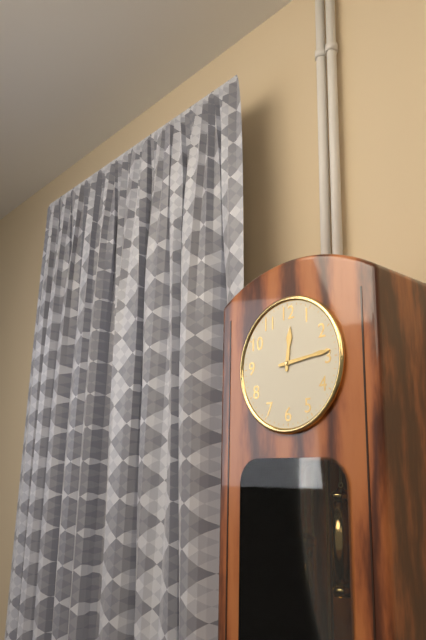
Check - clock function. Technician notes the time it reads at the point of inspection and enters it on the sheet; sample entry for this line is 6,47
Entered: 12,14
